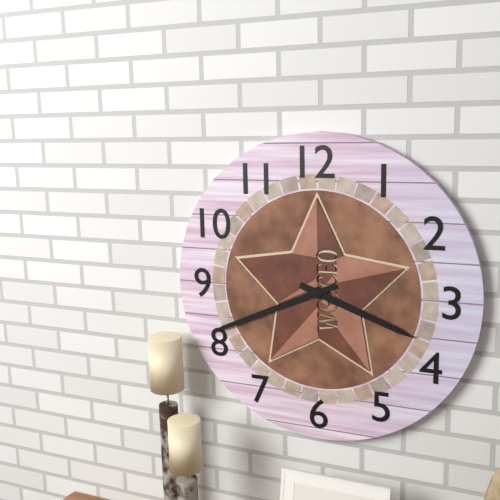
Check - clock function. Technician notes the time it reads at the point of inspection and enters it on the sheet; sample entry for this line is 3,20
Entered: 3,41
